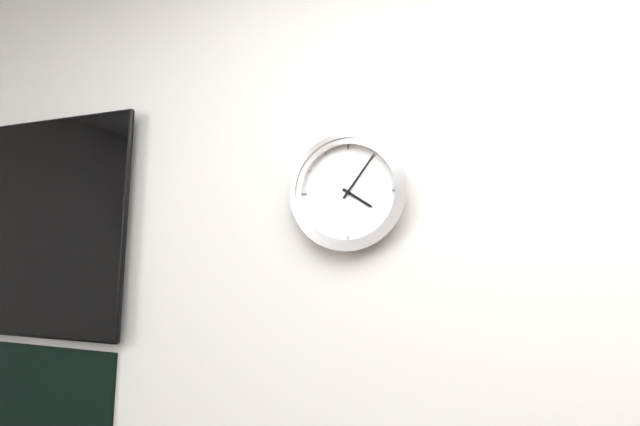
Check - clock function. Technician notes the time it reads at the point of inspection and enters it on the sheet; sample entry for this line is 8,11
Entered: 4,06
